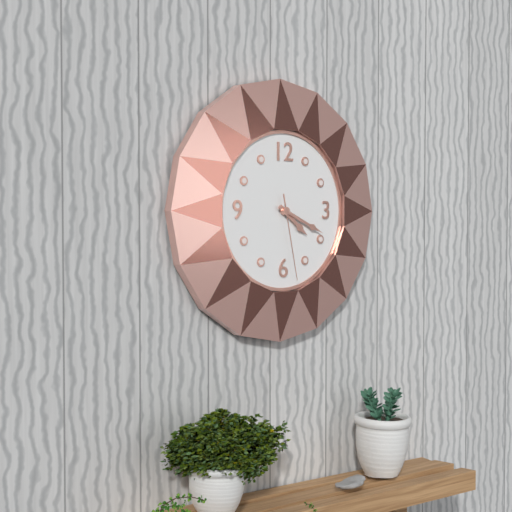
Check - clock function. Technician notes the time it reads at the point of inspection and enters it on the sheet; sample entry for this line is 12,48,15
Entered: 4,19,28
